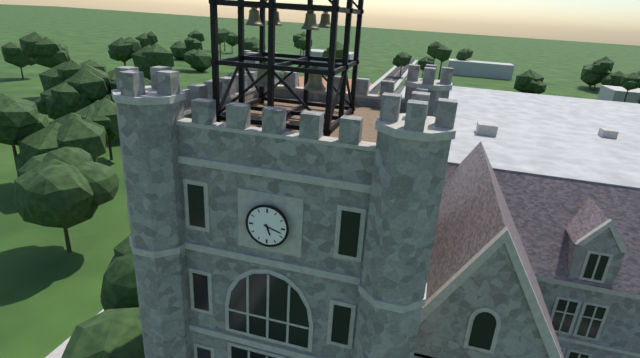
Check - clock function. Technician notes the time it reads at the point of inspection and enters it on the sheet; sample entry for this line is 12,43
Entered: 5,18
